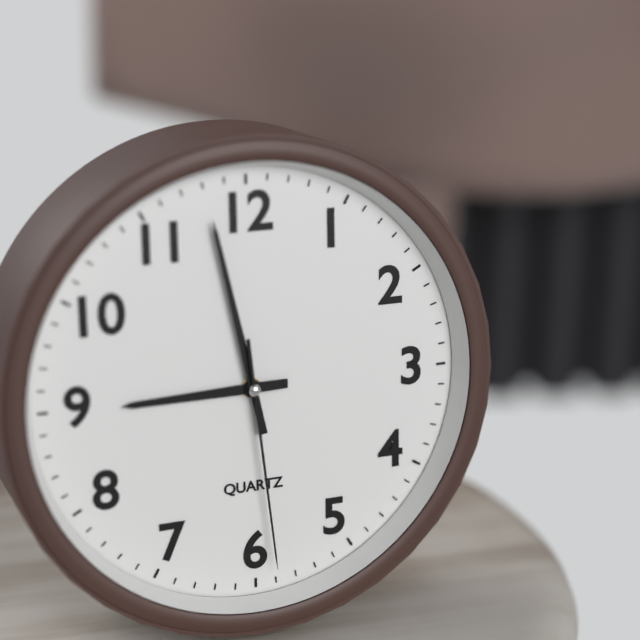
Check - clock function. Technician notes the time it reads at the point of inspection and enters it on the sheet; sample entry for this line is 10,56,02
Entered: 8,58,29
